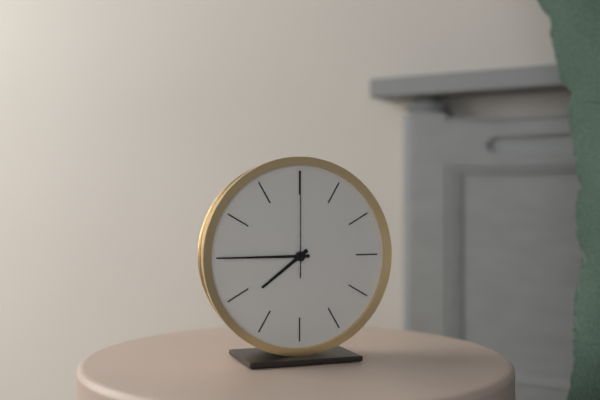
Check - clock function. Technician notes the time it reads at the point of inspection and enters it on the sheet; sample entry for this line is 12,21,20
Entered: 7,45,00
